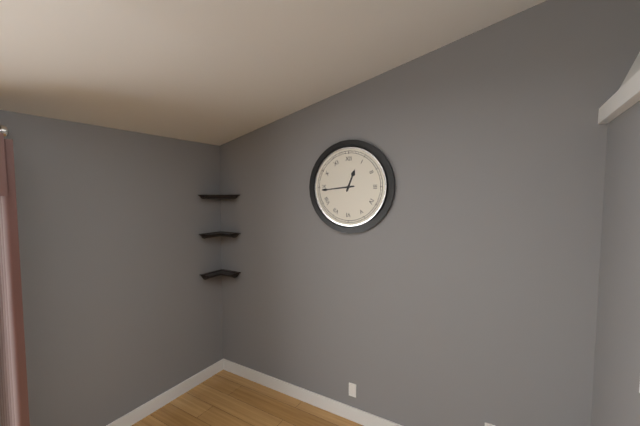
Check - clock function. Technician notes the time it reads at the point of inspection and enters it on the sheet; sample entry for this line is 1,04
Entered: 12,44
